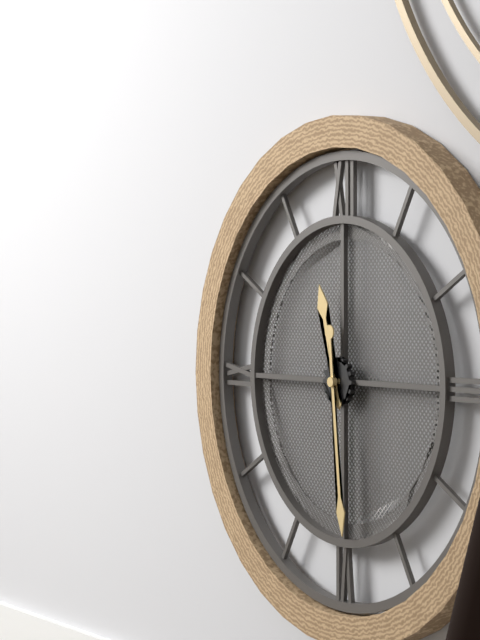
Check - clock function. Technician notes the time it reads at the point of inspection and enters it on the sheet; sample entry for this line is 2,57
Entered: 11,29
